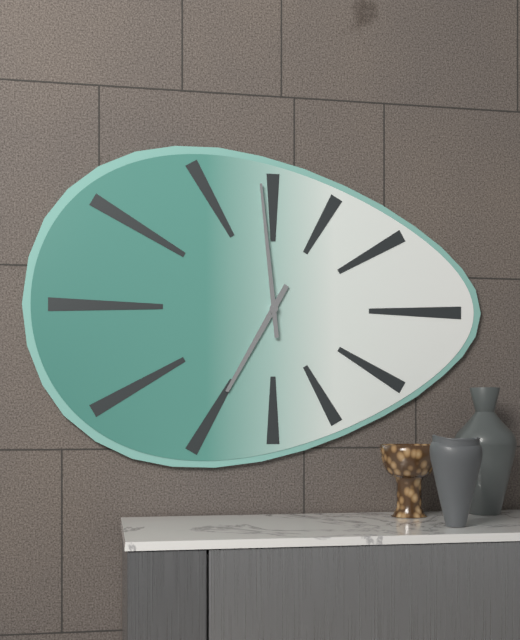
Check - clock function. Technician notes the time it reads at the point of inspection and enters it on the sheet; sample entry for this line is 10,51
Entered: 6,59
